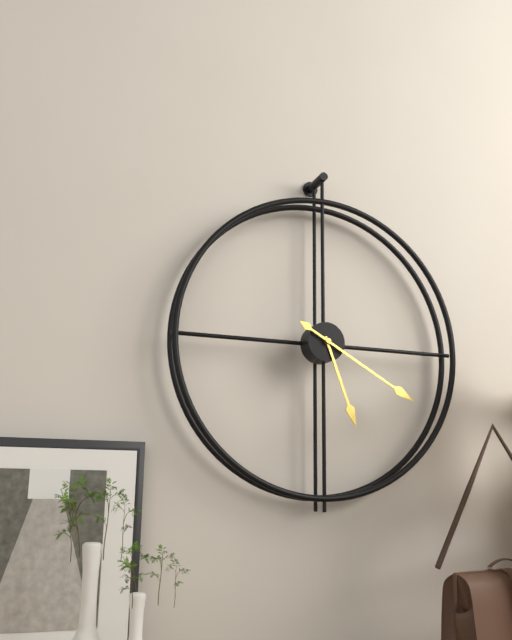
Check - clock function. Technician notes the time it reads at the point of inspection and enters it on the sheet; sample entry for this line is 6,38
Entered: 5,20
